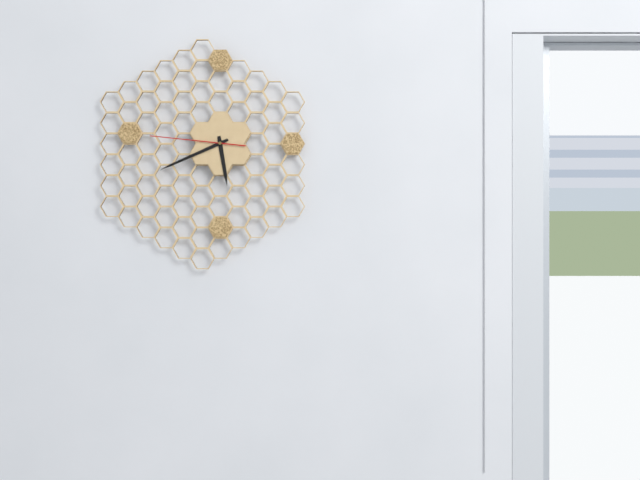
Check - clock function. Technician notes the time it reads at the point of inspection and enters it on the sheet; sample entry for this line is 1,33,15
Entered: 5,41,46
